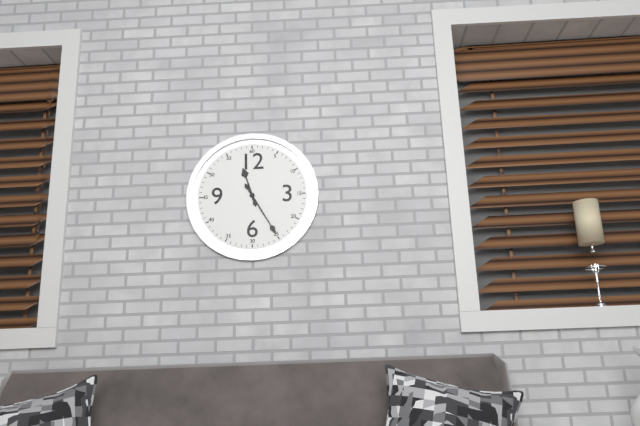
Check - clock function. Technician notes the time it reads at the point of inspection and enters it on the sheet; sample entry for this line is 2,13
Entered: 11,25
